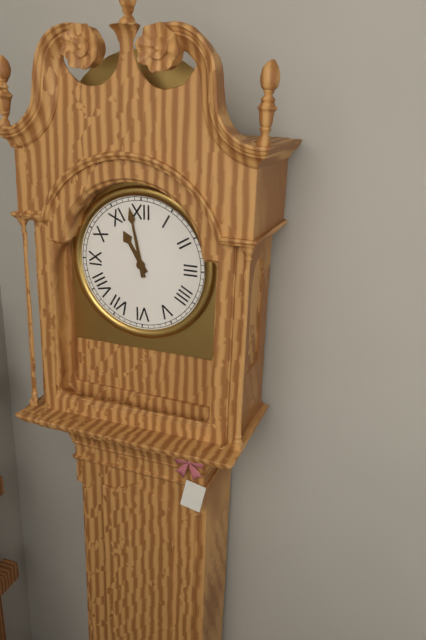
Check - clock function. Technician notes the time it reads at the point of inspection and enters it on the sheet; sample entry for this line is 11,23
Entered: 10,58
